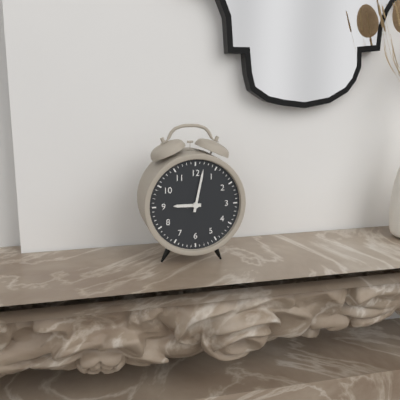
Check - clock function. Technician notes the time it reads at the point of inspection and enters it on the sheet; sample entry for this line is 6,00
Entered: 9,02
